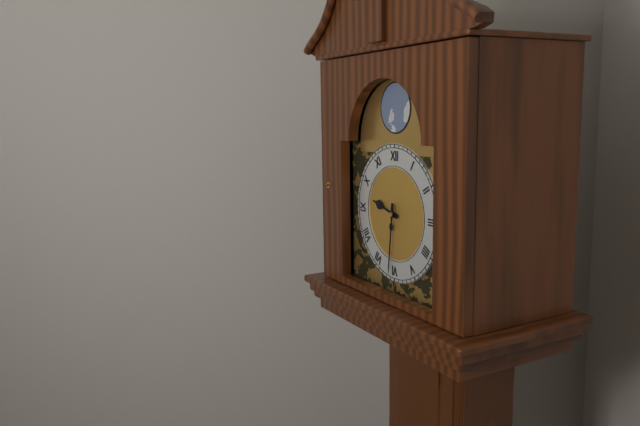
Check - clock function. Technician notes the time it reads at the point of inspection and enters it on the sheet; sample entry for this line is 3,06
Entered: 9,31
